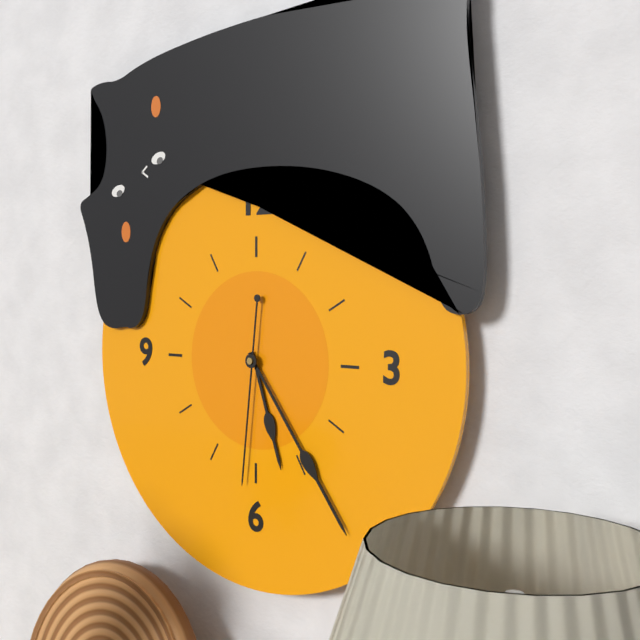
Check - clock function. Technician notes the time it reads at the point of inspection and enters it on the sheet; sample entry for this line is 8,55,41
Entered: 5,24,31
